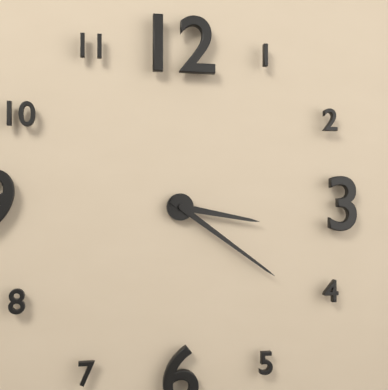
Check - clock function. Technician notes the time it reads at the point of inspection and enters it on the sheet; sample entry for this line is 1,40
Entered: 3,21
